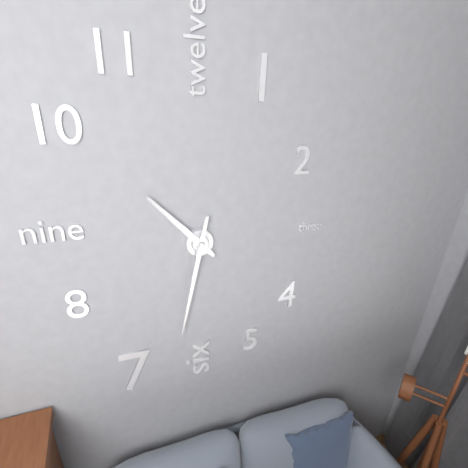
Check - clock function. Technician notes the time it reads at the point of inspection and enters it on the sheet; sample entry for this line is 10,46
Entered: 10,32
